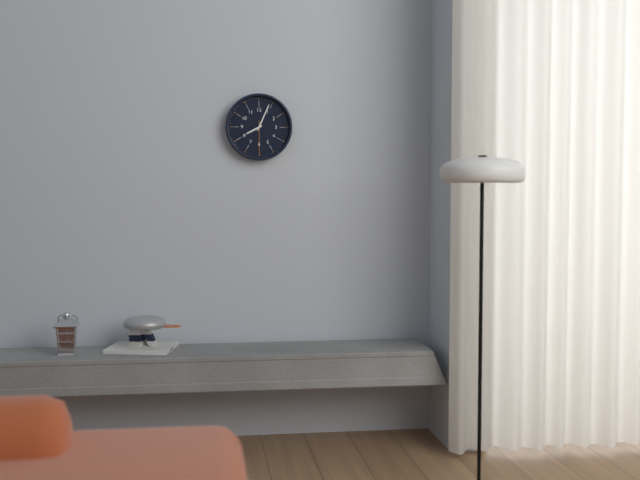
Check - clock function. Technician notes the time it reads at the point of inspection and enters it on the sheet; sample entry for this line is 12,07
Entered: 8,04
